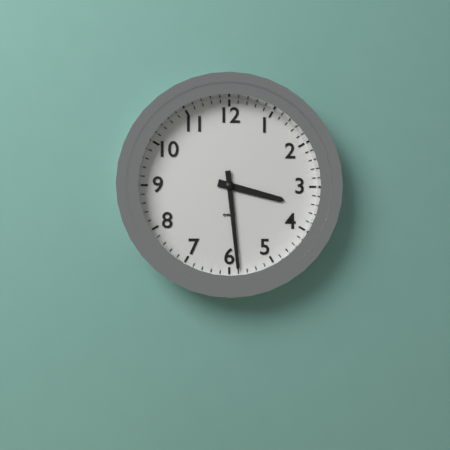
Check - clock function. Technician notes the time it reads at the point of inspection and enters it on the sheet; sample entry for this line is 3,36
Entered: 3,29
